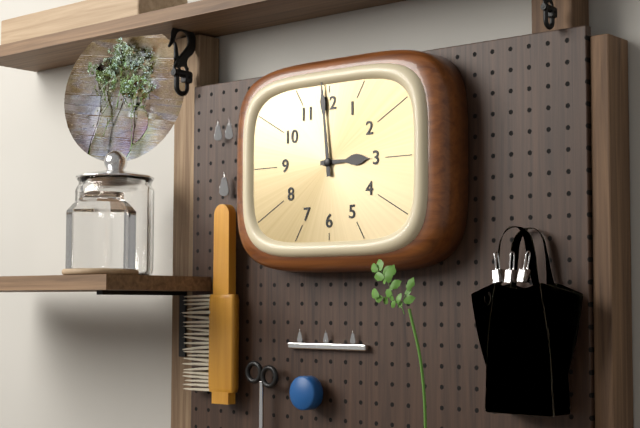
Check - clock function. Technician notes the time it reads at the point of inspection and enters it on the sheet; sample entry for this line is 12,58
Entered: 2,59
